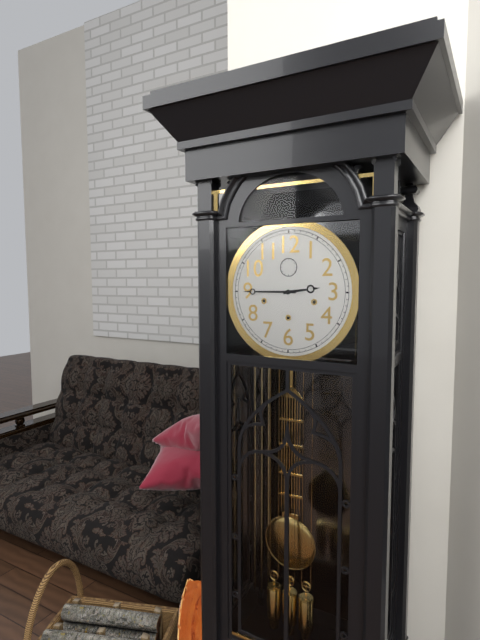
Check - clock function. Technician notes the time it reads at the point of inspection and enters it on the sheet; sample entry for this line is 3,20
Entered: 2,45
